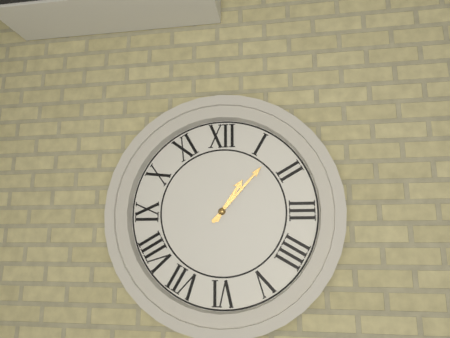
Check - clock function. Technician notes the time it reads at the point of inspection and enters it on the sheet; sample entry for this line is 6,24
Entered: 1,07
